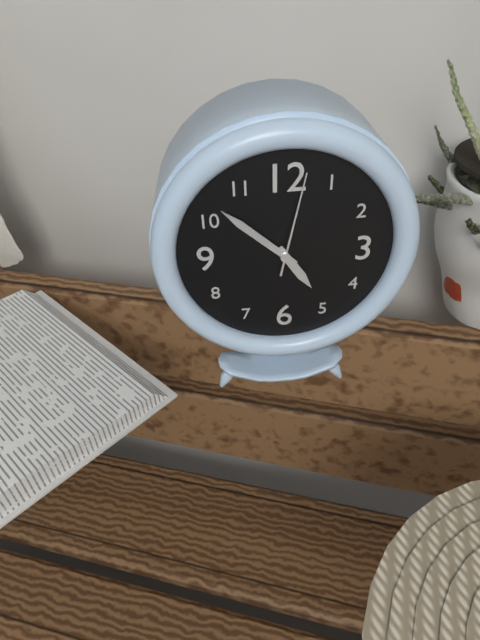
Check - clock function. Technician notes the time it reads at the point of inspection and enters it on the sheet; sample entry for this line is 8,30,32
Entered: 4,52,02
